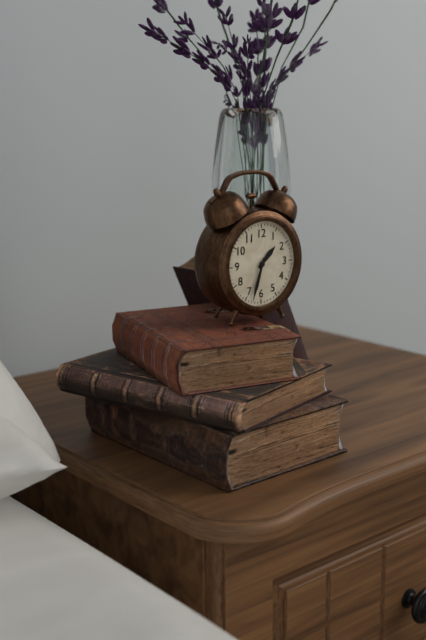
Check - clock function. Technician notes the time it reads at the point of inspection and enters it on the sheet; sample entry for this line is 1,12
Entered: 1,33
